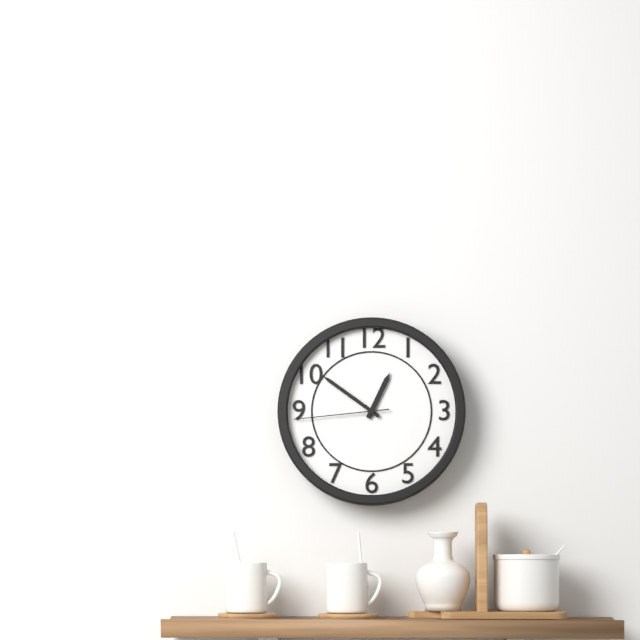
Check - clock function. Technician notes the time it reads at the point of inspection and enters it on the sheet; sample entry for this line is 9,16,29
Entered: 12,51,44
